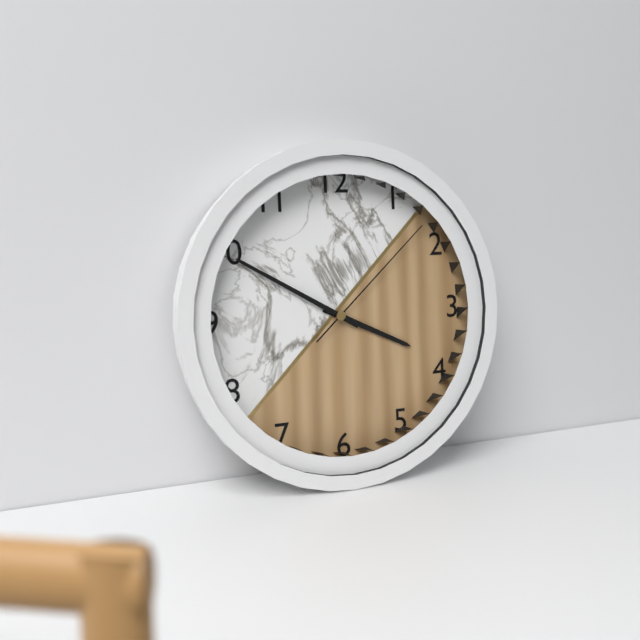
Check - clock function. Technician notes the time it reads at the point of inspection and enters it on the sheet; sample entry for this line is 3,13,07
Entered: 3,50,08
